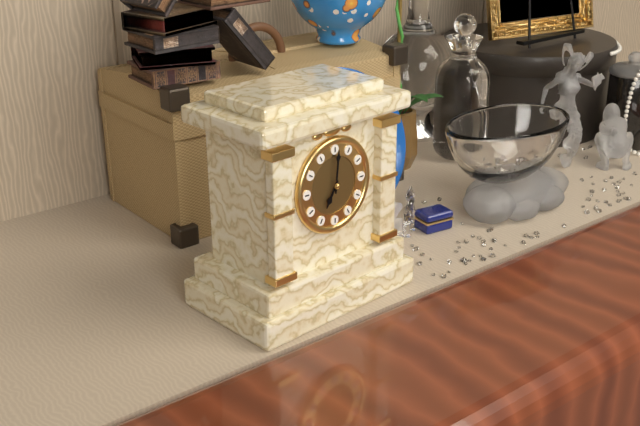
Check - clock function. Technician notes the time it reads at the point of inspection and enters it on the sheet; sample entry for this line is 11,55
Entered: 7,01
